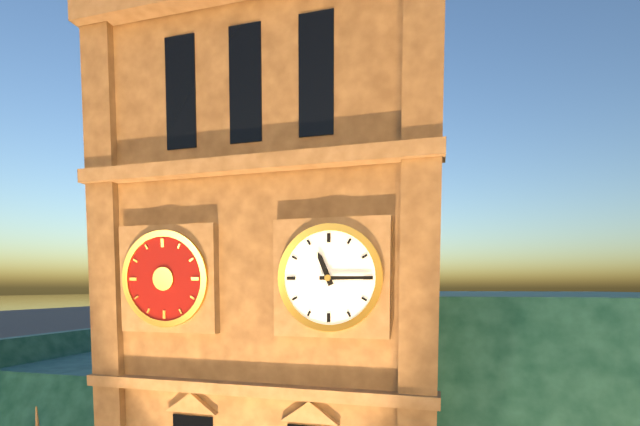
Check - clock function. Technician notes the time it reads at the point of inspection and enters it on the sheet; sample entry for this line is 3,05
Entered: 11,15
